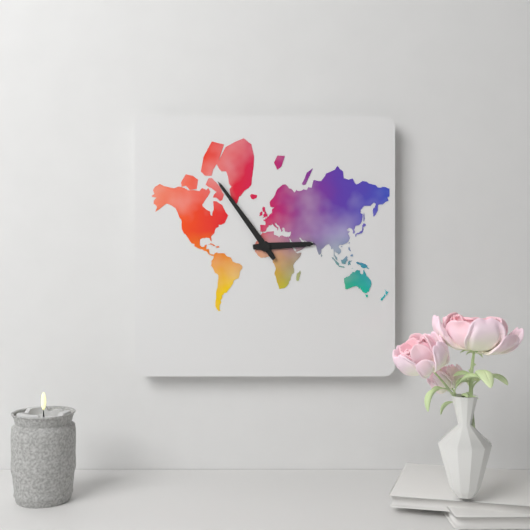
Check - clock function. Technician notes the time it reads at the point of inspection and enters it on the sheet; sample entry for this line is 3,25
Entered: 2,54
